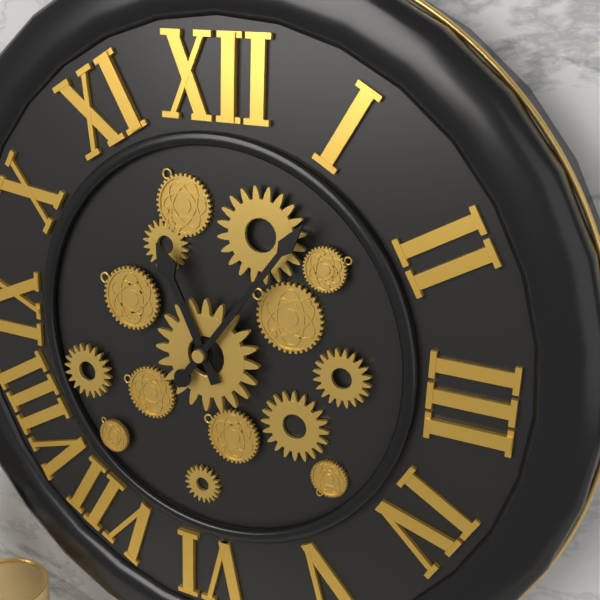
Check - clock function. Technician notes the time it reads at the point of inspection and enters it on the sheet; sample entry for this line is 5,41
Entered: 11,06
